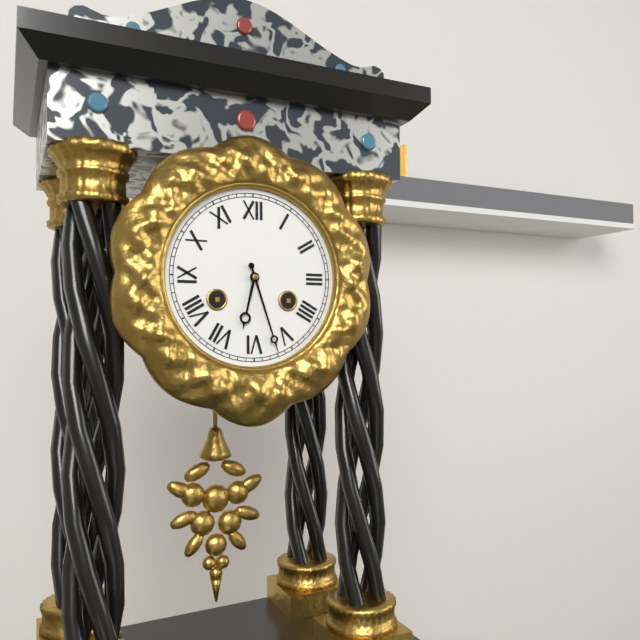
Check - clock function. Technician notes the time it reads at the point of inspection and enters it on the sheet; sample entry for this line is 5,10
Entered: 6,27
